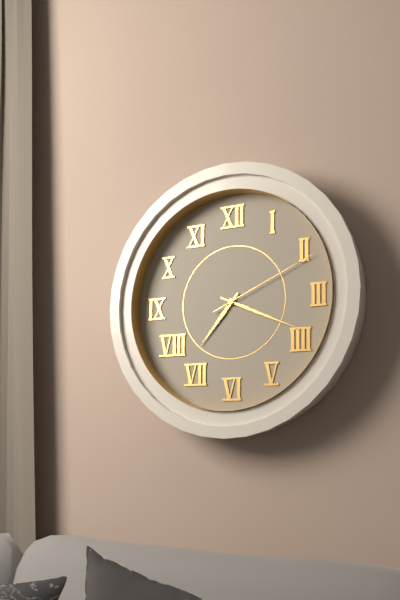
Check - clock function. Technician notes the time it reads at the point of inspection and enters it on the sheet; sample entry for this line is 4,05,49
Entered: 7,19,11
